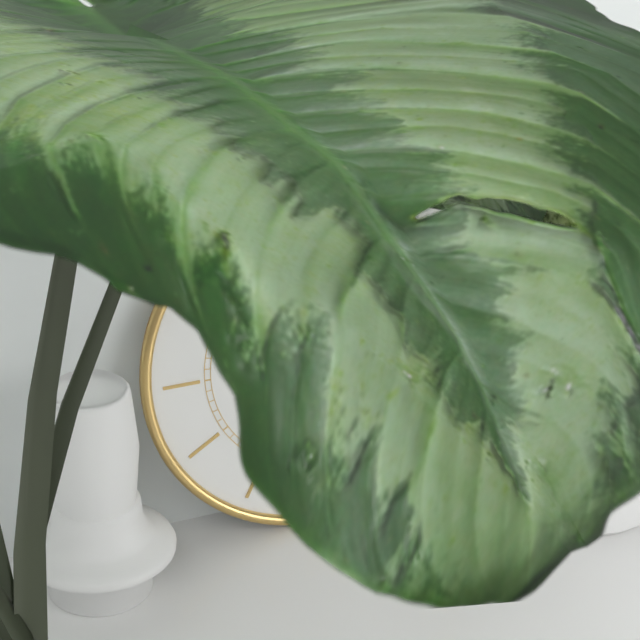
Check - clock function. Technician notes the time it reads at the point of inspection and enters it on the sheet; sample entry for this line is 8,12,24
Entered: 10,35,19
